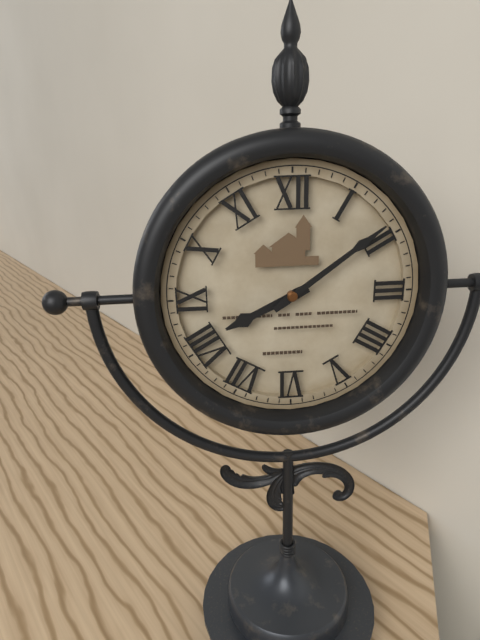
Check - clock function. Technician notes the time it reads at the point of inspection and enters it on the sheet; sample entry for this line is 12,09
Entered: 8,09
